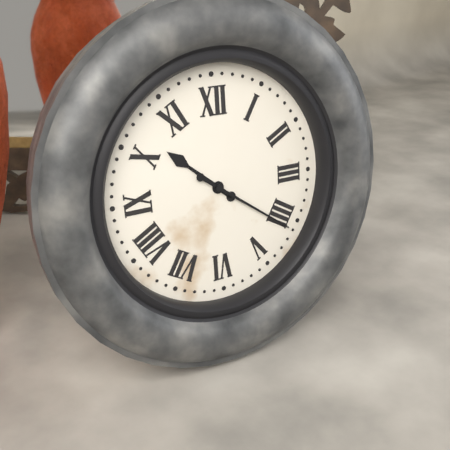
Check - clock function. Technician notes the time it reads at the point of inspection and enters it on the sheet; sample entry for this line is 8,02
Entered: 10,21
